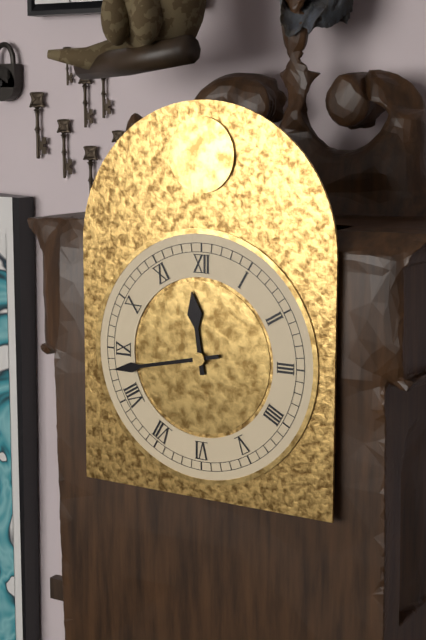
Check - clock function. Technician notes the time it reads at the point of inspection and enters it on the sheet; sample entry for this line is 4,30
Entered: 11,43
